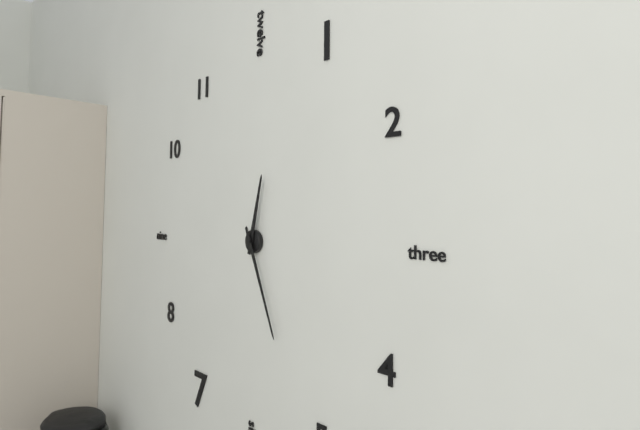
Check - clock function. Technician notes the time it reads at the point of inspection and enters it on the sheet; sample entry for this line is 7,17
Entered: 12,26
